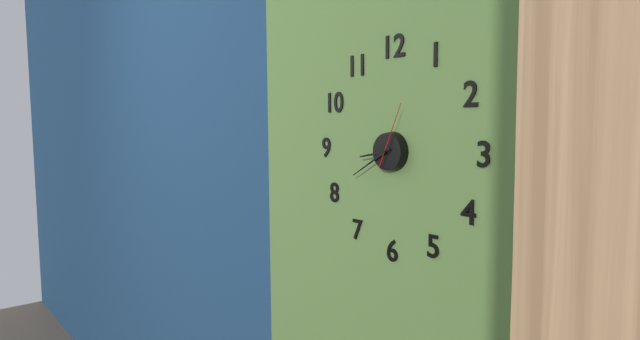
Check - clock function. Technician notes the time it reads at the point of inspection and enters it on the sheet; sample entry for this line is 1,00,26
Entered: 8,40,04
